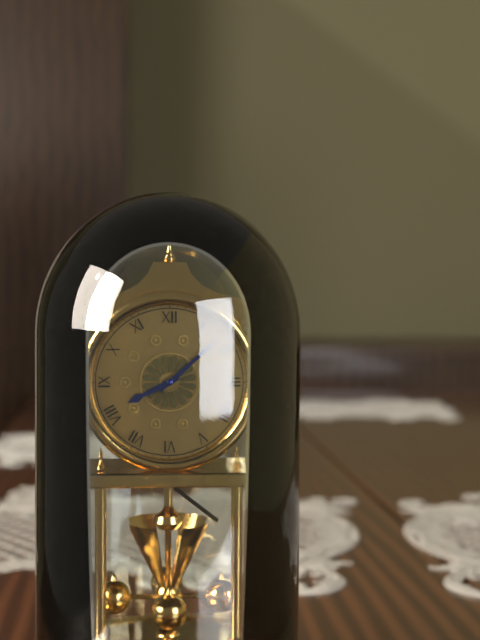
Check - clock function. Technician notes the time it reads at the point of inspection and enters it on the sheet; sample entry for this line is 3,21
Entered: 8,08
